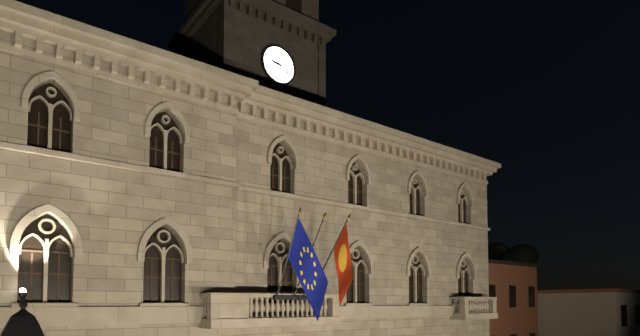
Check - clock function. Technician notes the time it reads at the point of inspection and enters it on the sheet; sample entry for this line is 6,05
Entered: 9,20
